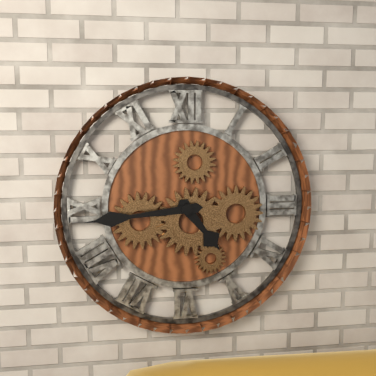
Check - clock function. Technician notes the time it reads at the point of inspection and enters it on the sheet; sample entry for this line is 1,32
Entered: 4,44
